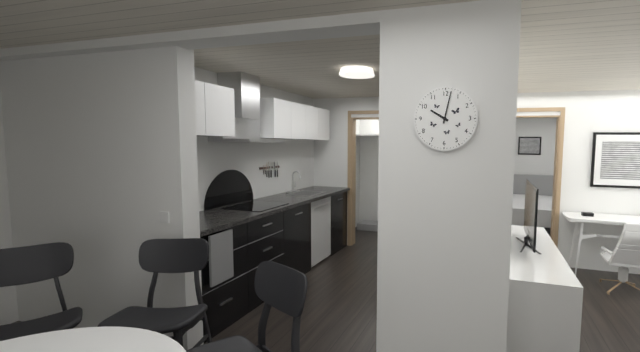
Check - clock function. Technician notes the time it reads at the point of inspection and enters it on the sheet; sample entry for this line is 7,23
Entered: 10,02
